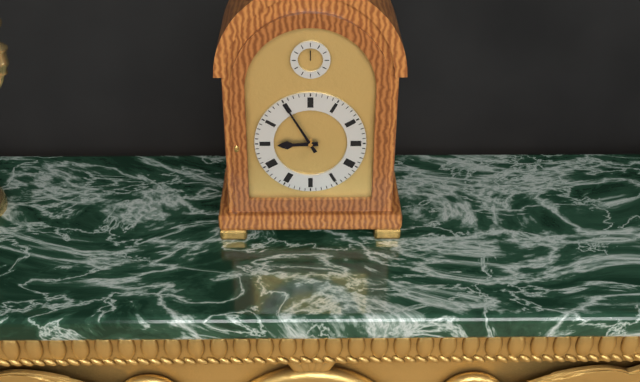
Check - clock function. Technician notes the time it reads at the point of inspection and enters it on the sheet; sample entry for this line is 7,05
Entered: 8,55
